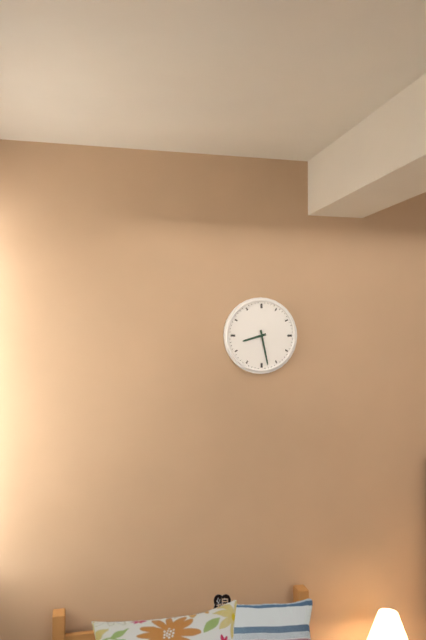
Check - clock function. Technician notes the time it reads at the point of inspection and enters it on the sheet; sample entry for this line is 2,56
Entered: 8,28
